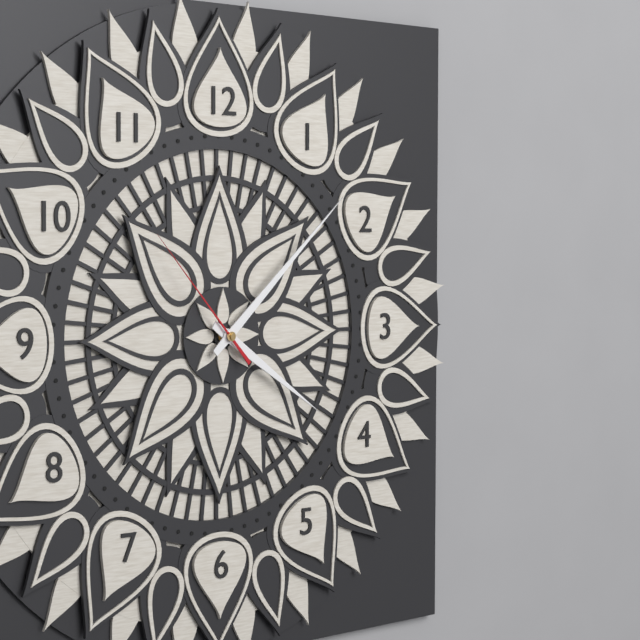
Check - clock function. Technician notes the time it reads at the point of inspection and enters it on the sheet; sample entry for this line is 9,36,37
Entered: 4,08,53
